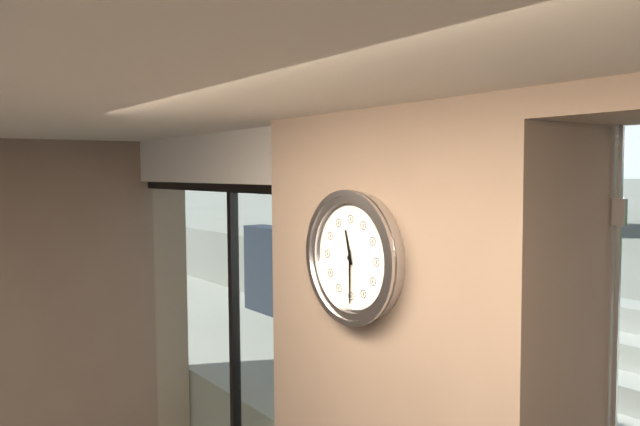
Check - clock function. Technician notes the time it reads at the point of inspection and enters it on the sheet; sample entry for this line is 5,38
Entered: 11,30
